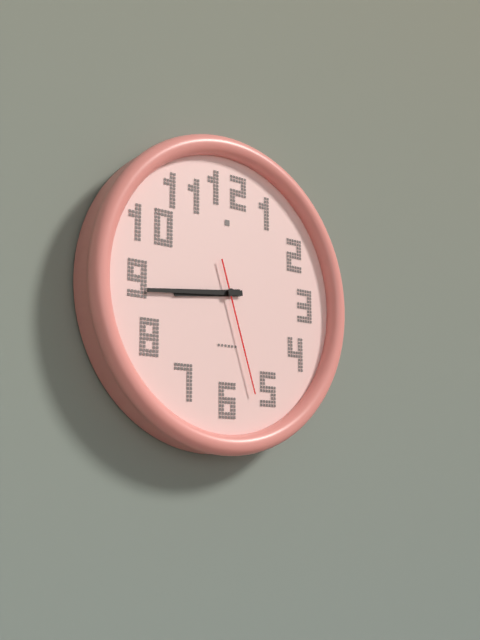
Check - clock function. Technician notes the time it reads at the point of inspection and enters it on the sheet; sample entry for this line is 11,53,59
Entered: 8,44,27
